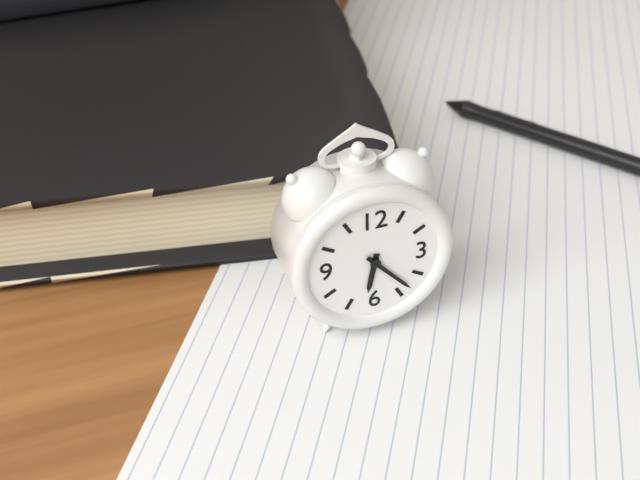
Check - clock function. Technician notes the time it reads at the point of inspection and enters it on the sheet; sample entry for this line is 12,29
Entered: 6,23
